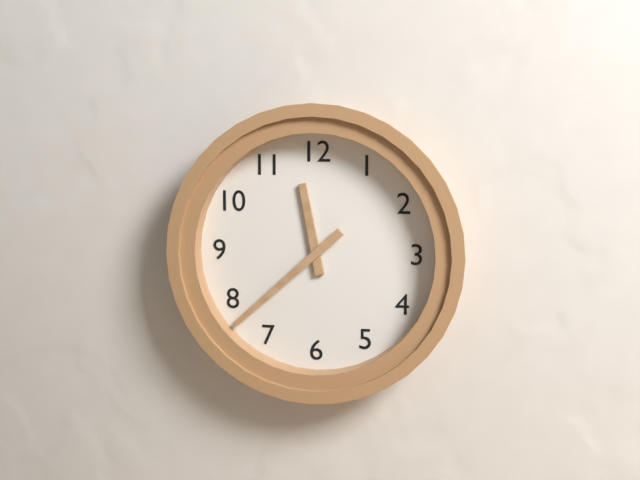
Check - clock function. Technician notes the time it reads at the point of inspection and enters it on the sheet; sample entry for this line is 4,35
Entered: 11,38
